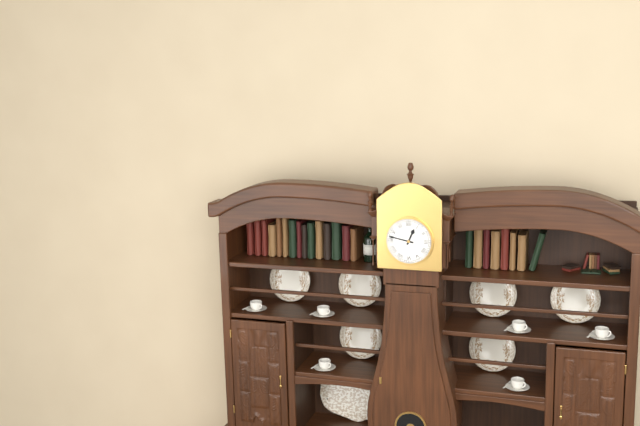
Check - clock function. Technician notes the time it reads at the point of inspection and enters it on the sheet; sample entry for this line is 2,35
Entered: 12,47
